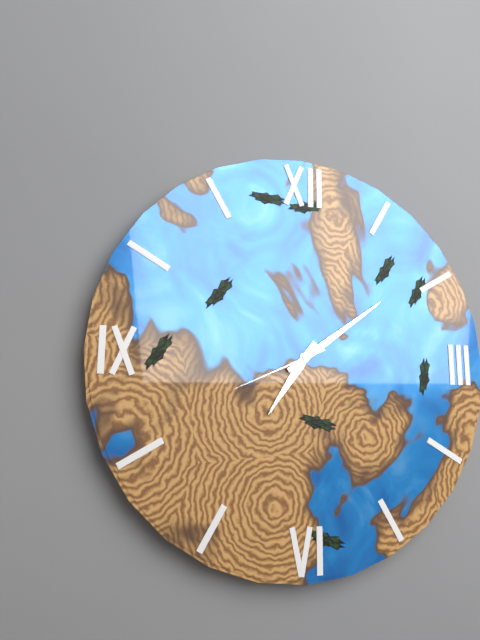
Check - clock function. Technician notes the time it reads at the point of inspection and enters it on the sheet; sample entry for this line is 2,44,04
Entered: 7,09,41
